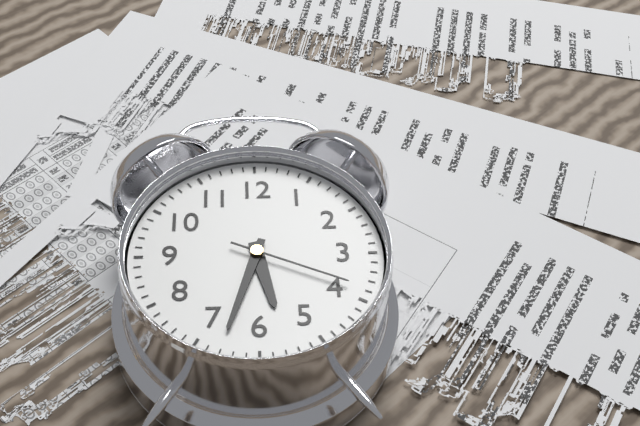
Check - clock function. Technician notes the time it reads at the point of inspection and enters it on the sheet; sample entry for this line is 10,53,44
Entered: 5,33,19
